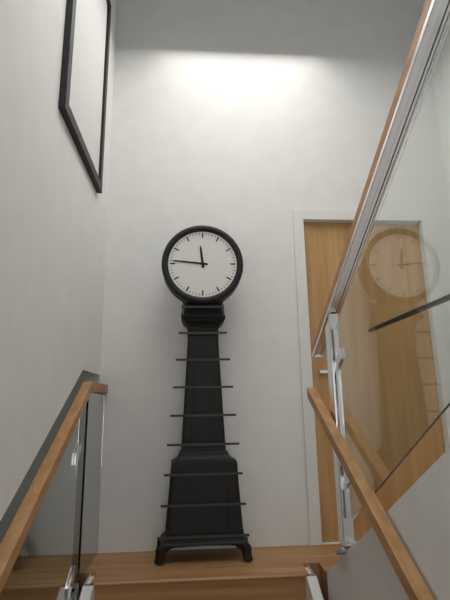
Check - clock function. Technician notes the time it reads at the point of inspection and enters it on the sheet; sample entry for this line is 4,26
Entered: 11,46
